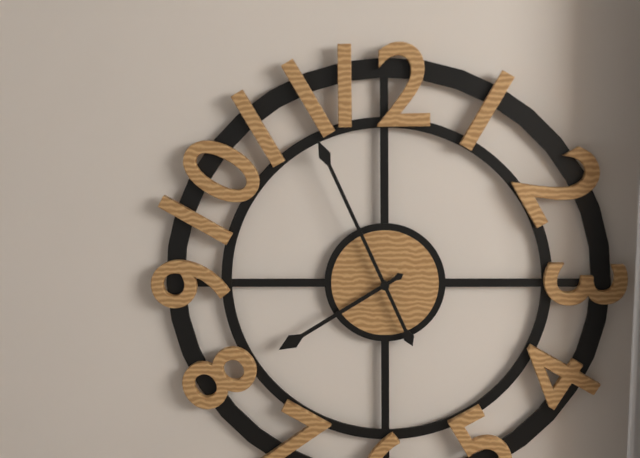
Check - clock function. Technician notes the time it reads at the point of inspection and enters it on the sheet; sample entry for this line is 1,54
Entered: 7,56
